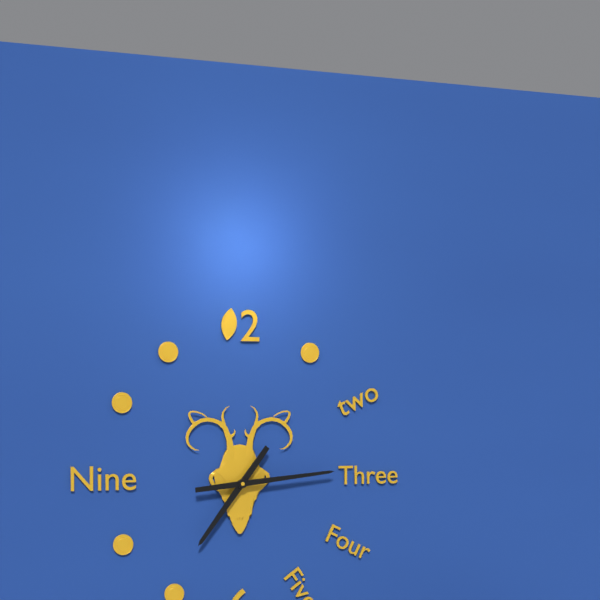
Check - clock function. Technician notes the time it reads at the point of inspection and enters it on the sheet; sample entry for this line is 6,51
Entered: 7,14
